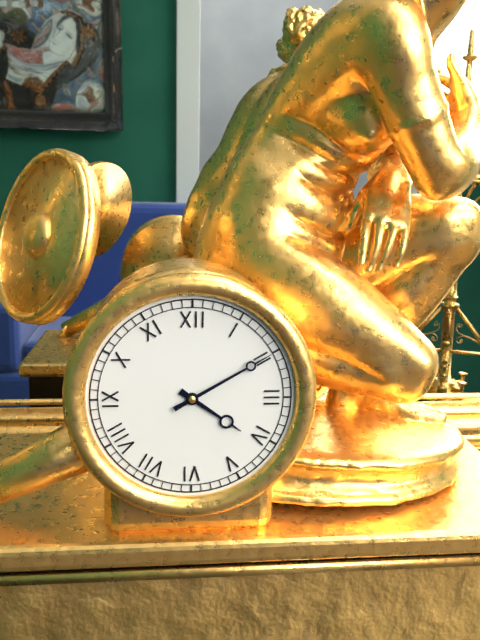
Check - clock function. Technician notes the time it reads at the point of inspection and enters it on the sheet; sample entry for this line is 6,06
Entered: 4,10
